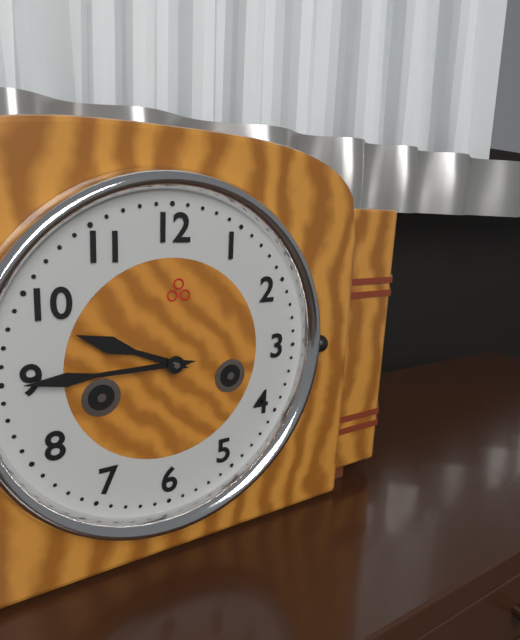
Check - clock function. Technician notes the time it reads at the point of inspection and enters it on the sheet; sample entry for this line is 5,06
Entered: 9,45
